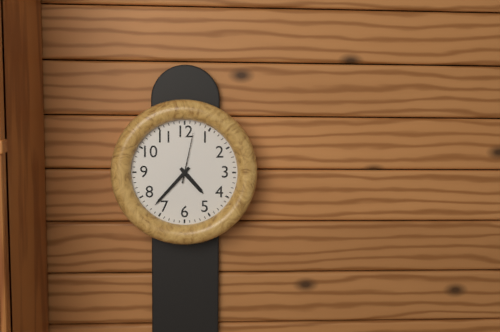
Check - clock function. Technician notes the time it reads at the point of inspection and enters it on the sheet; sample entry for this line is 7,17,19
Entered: 4,37,02
